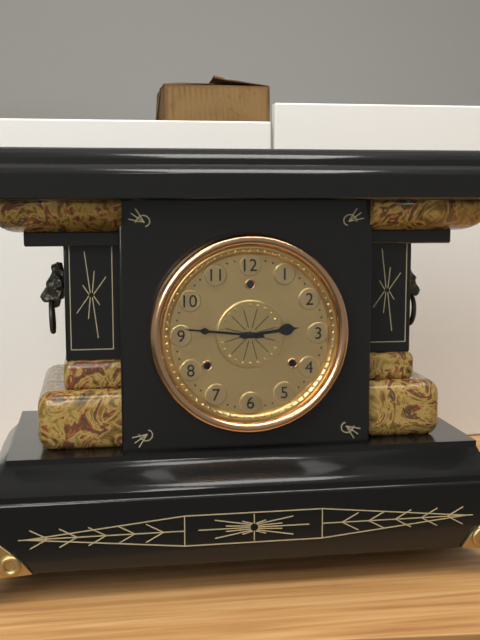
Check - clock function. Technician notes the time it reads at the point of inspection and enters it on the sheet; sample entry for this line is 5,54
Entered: 2,46
